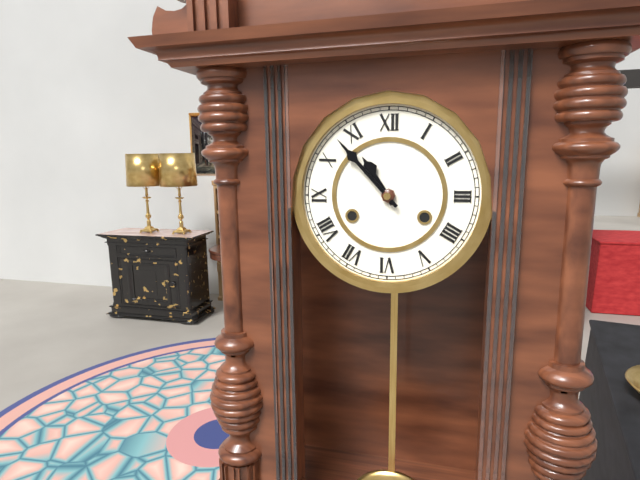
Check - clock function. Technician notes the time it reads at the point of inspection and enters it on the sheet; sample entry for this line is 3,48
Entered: 10,53
